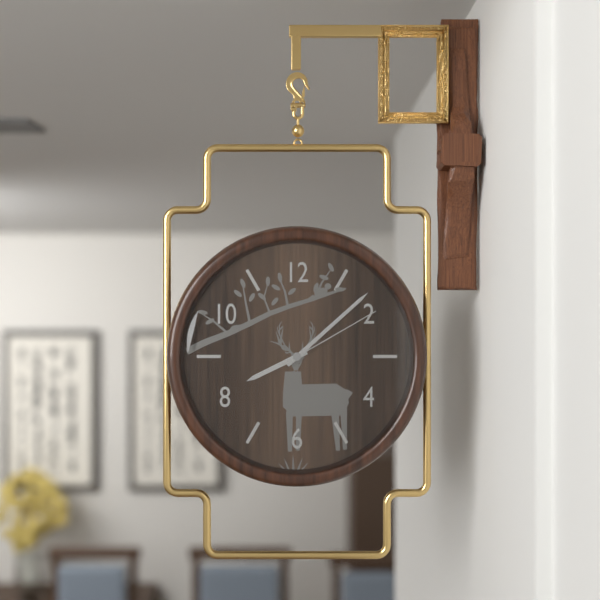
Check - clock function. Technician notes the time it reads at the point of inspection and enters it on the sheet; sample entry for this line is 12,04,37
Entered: 8,08,10
